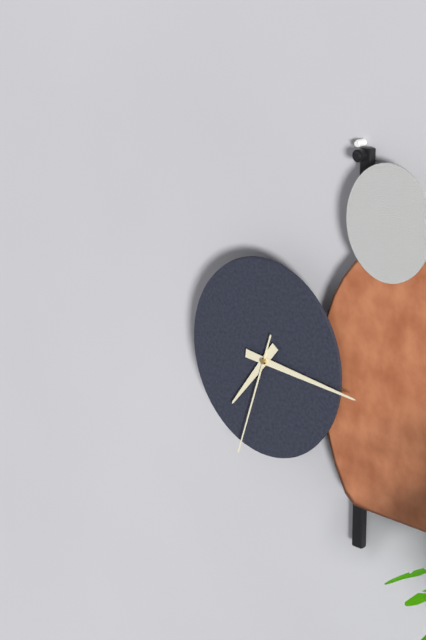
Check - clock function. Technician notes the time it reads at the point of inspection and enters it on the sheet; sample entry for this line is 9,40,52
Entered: 7,16,33
